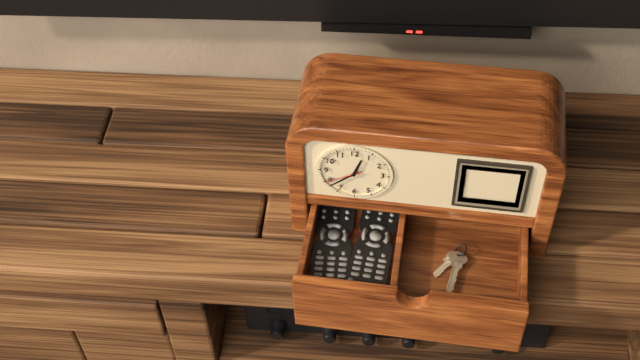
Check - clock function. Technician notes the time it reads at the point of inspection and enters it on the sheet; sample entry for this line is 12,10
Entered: 12,38
